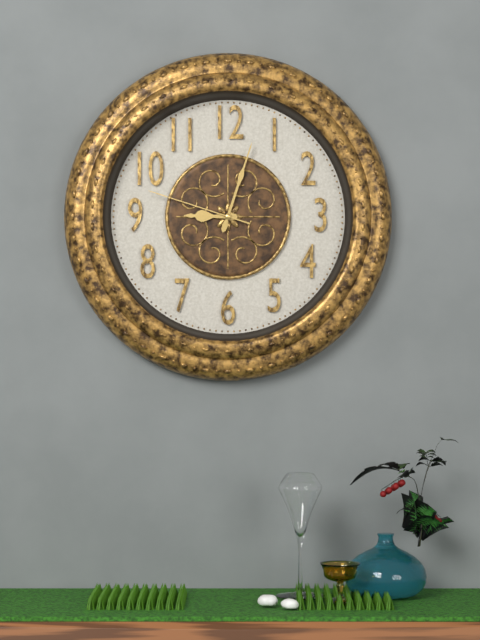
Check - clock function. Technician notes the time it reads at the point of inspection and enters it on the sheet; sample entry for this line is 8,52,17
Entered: 9,03,48
